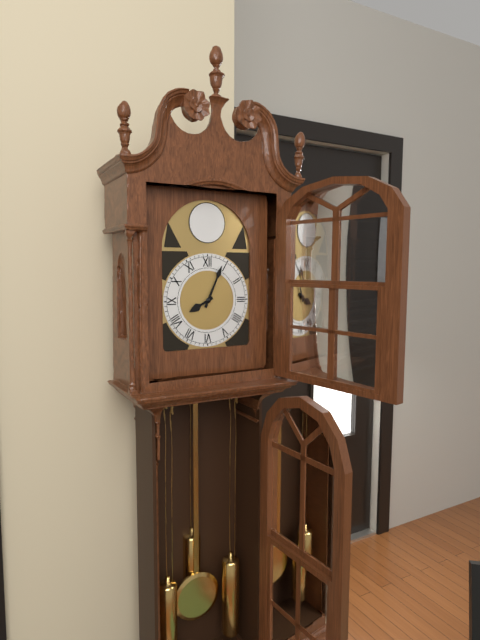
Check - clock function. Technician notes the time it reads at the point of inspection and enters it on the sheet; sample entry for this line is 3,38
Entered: 8,04
